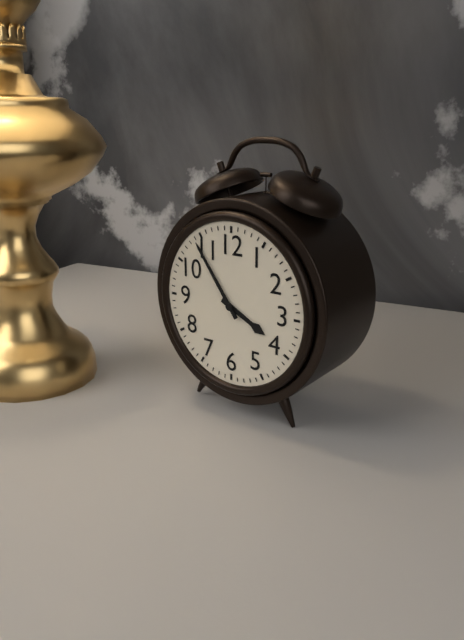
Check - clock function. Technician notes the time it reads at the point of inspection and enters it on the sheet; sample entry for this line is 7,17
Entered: 3,54
